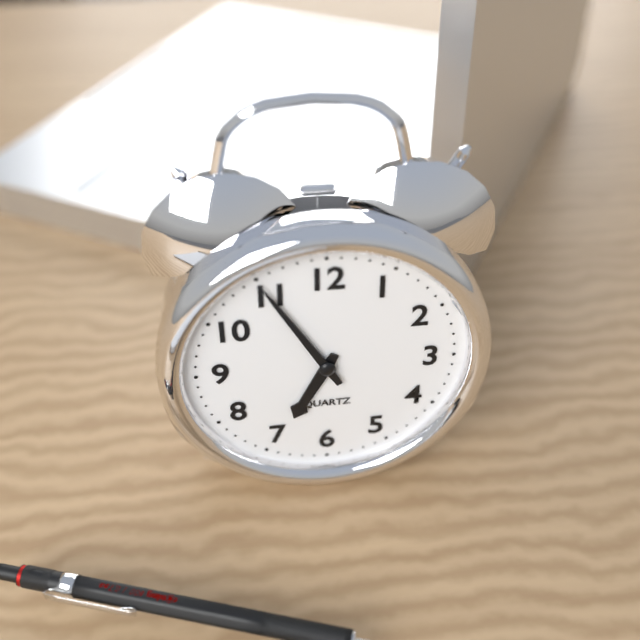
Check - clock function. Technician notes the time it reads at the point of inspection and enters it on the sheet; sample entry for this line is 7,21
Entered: 6,55
